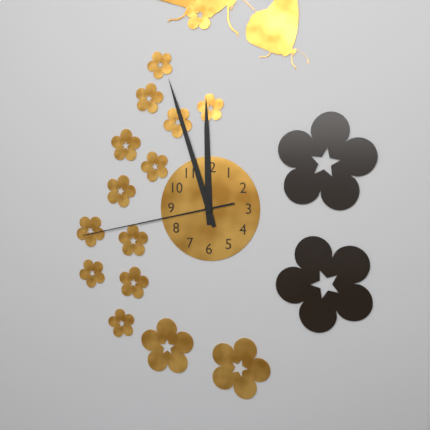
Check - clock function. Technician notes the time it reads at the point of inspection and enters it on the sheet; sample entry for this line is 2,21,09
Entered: 11,57,43
